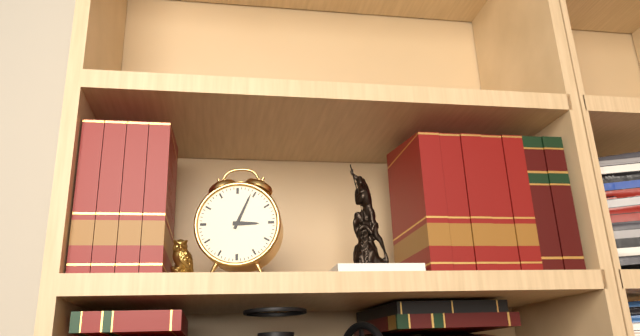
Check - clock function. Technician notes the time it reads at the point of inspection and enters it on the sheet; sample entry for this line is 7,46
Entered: 3,04
